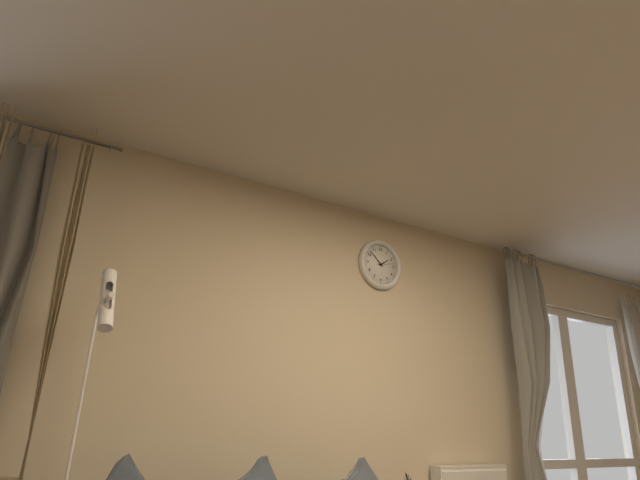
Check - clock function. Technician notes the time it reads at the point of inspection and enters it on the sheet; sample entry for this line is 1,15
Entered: 1,52
